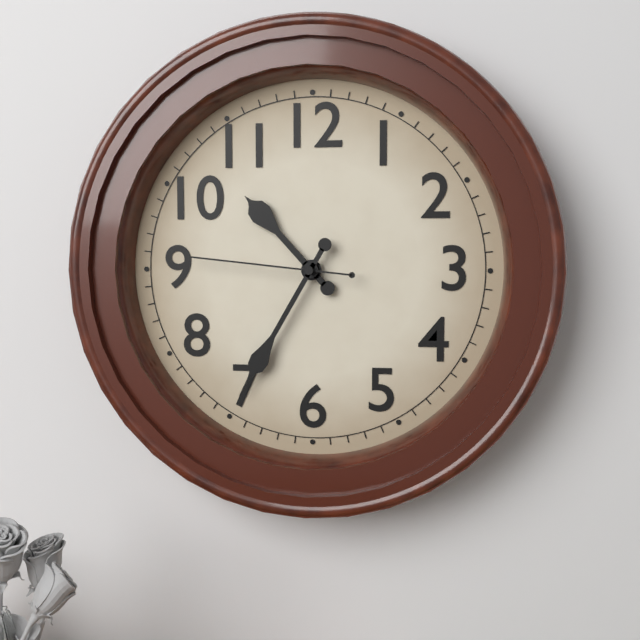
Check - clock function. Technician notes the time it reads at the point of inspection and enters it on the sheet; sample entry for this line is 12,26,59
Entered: 10,35,46
